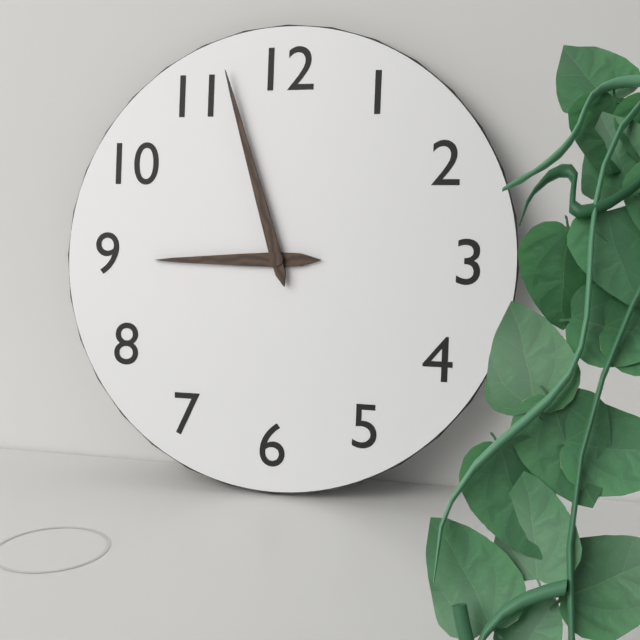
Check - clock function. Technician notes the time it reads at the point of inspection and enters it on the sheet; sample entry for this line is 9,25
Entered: 8,57
